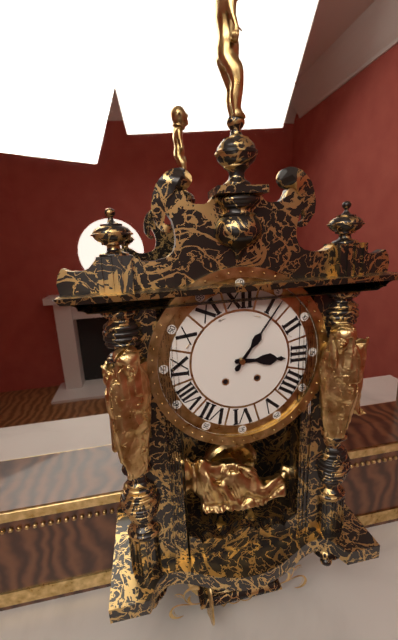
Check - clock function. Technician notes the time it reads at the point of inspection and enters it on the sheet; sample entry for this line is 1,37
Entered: 3,06
